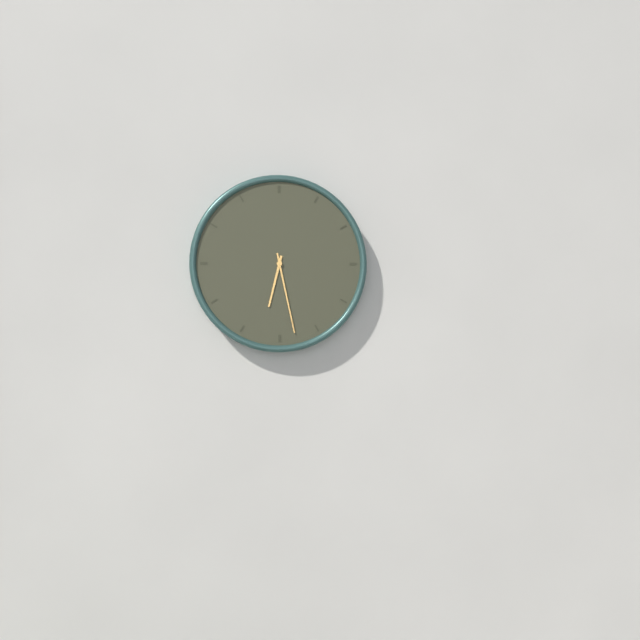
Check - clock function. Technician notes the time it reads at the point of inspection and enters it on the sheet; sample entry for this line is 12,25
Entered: 6,28
